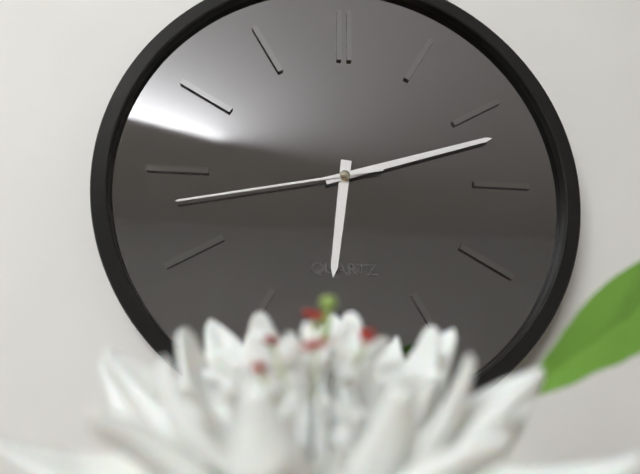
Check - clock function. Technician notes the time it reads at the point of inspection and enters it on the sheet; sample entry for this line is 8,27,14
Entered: 6,12,43
